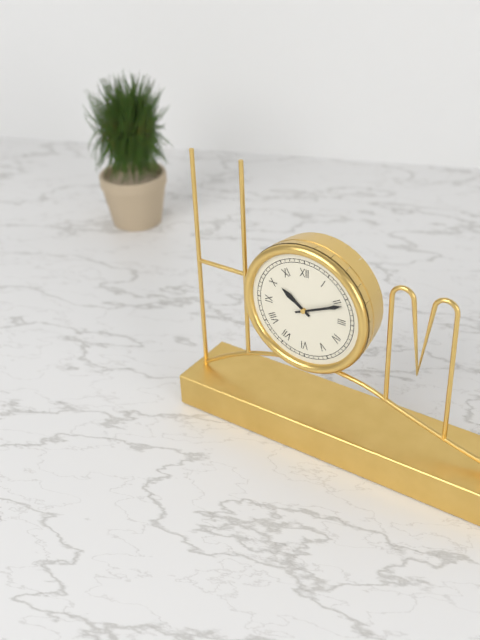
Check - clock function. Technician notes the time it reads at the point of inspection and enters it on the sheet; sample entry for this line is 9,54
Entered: 10,11
